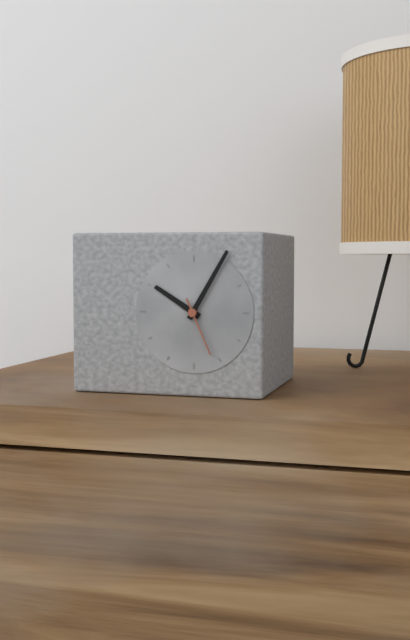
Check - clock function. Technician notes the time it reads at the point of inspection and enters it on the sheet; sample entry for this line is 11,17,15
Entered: 10,05,26
